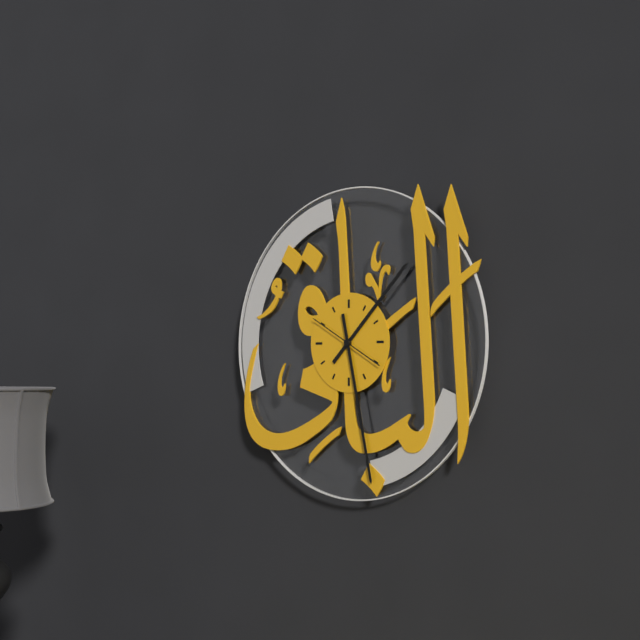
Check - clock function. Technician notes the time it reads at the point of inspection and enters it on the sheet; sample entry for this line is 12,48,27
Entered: 1,28,50
